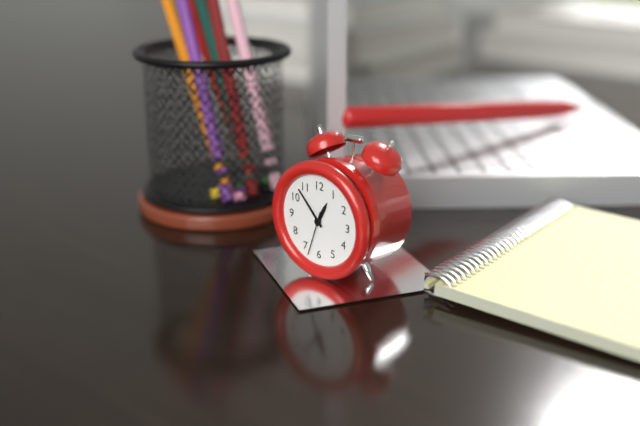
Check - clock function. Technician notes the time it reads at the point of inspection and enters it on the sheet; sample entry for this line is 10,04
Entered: 12,53
